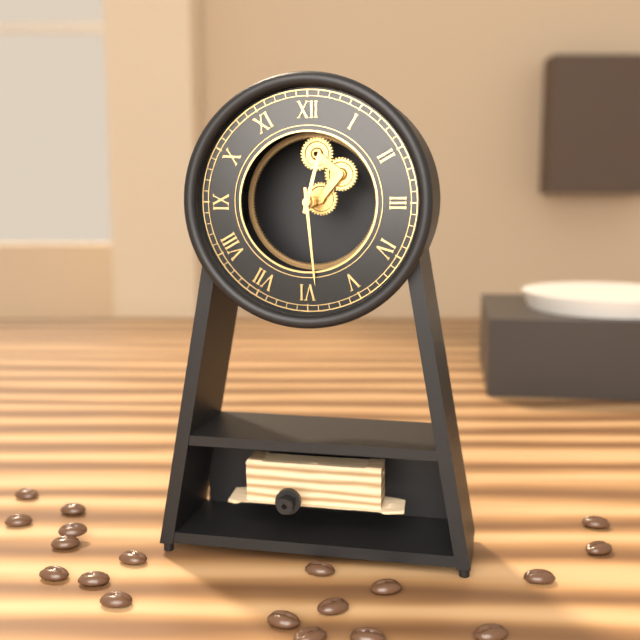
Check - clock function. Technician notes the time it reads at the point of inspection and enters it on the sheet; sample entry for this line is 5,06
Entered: 12,29
